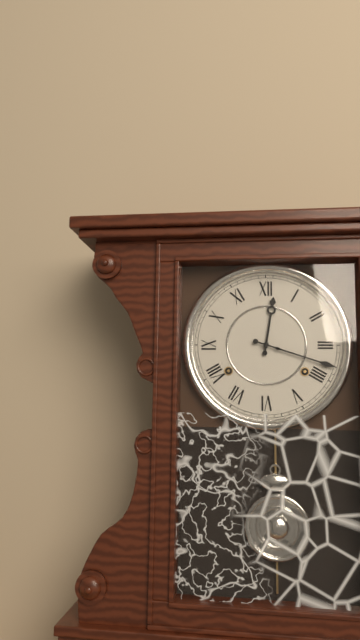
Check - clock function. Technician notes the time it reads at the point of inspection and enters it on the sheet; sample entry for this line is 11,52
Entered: 12,18
